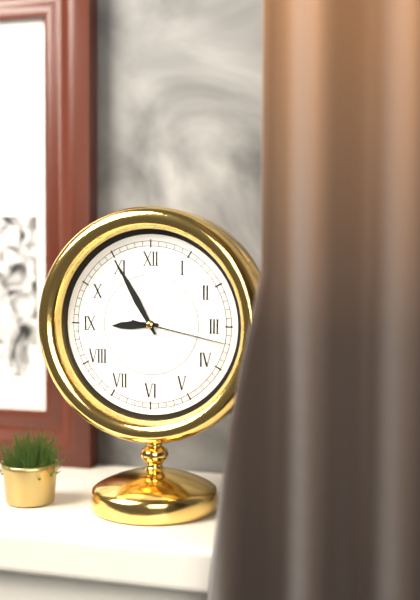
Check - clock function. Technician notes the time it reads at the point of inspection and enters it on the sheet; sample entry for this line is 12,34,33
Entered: 8,55,17
